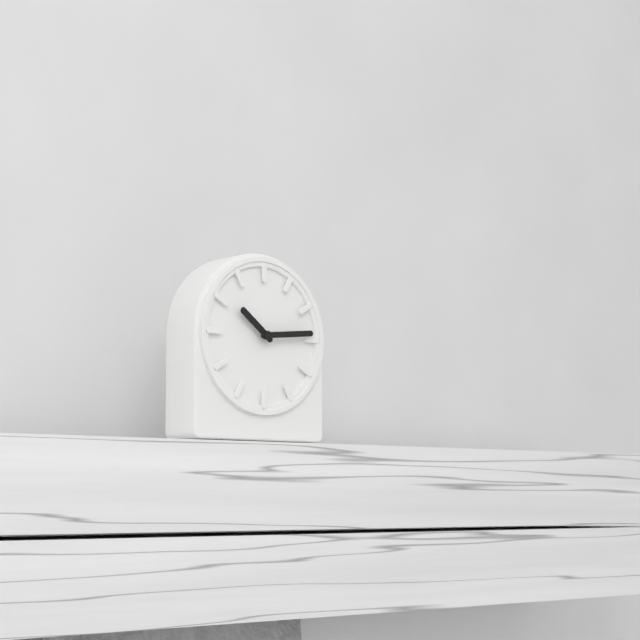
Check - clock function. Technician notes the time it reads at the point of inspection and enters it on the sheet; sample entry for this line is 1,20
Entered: 10,14
